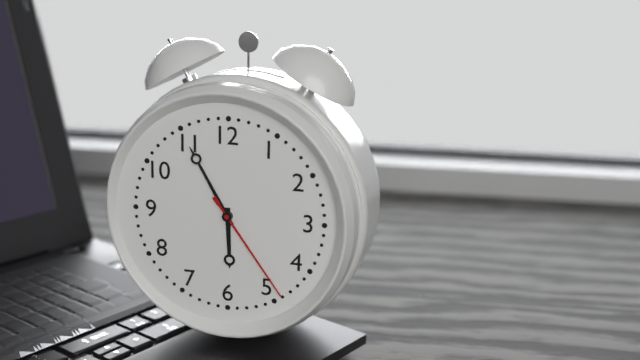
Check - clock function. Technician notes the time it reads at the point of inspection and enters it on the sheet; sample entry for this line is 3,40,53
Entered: 5,55,24
